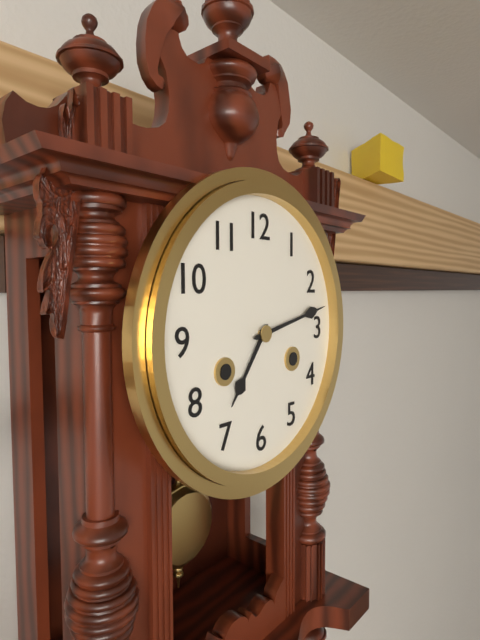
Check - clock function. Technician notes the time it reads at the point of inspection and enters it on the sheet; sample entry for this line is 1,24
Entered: 7,13
